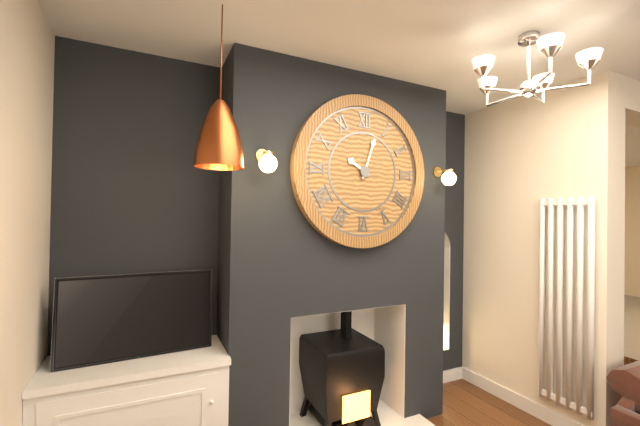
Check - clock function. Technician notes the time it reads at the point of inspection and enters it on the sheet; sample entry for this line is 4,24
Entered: 10,03
